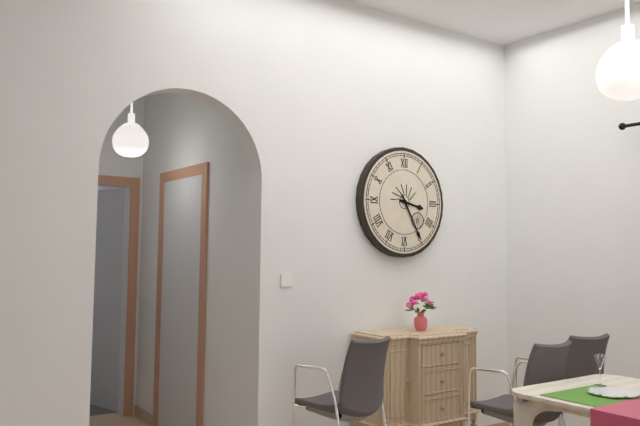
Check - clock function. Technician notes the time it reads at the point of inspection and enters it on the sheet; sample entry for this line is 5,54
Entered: 3,25
